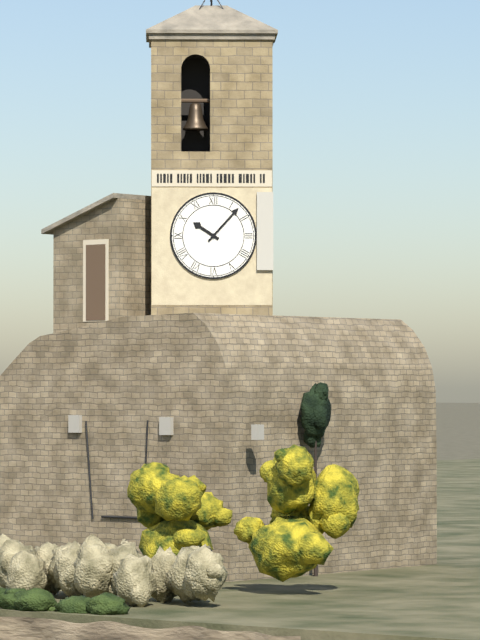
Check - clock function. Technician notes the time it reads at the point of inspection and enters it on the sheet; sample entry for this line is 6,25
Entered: 10,07
